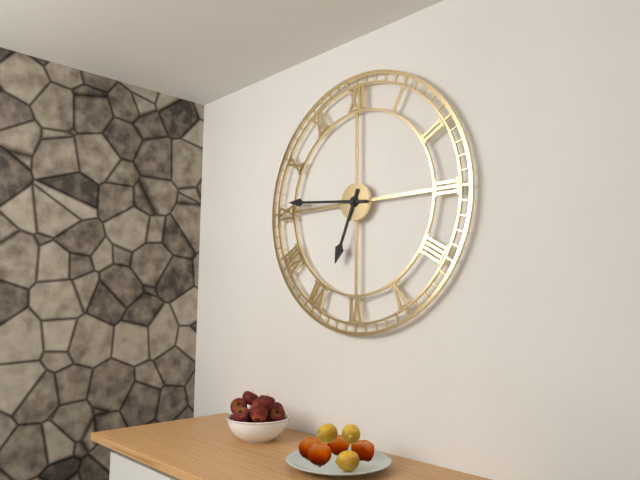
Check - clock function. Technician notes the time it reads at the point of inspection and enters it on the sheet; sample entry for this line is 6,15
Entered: 6,46
